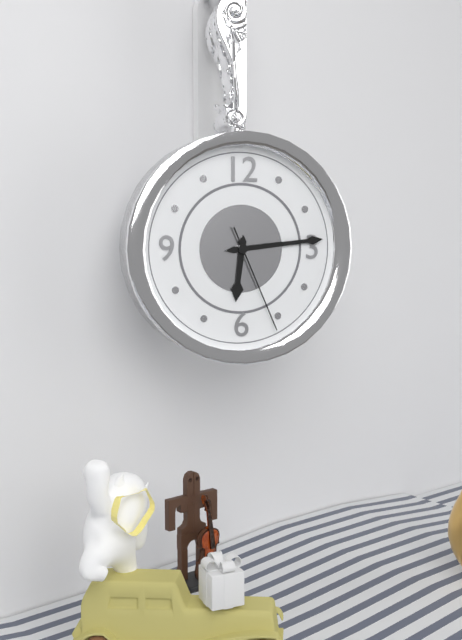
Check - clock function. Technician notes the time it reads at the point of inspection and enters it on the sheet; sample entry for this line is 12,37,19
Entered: 6,14,26
